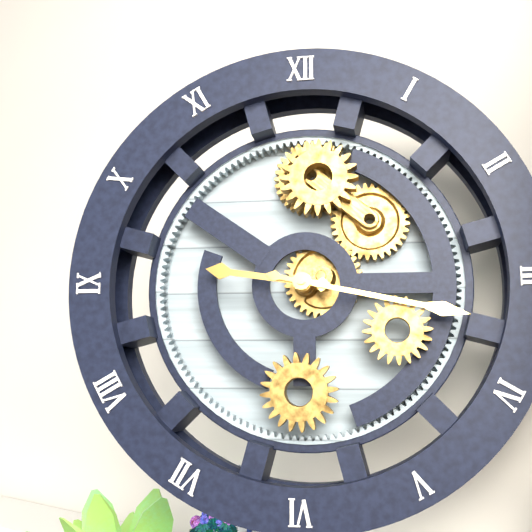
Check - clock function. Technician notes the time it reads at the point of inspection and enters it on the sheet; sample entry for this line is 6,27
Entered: 9,17
